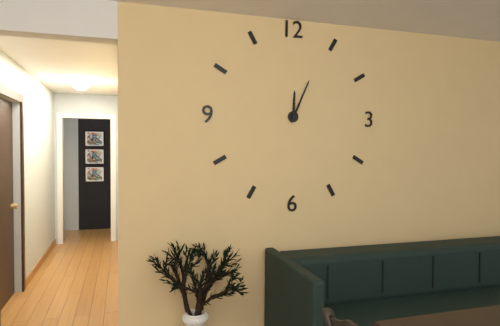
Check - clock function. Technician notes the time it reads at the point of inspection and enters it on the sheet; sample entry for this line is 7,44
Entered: 12,04
